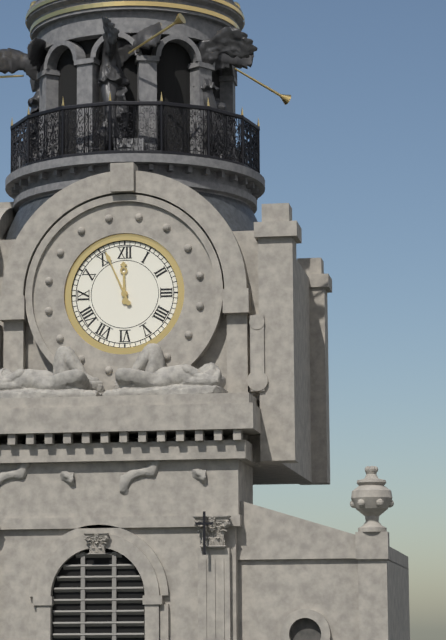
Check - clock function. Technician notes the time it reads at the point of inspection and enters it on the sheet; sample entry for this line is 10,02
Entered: 11,56
